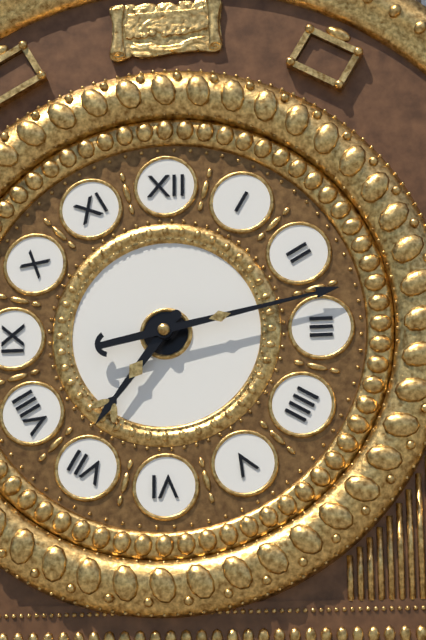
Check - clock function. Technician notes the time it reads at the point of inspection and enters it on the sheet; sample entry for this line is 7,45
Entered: 7,13
